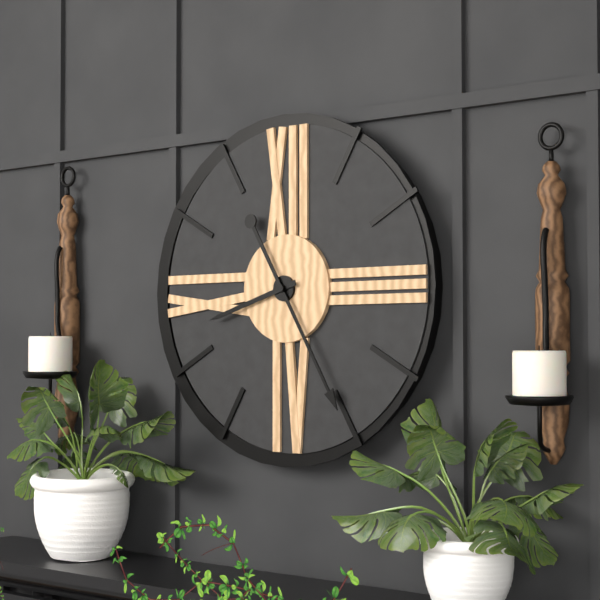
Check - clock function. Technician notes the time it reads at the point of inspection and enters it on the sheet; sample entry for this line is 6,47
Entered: 8,25
